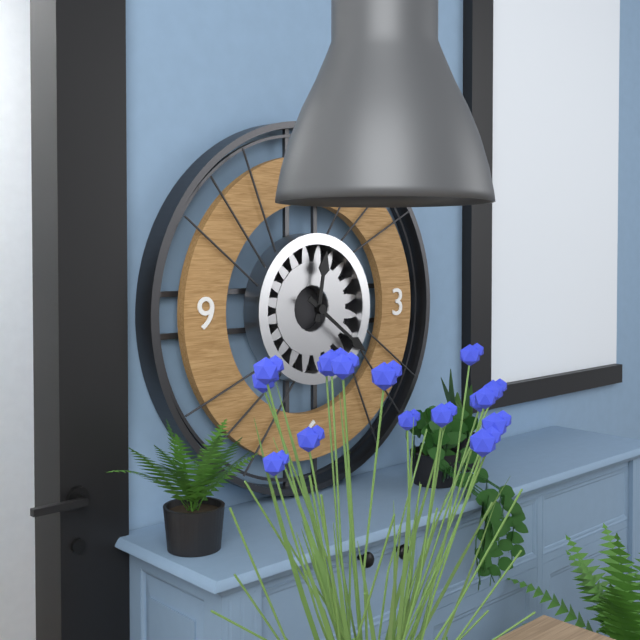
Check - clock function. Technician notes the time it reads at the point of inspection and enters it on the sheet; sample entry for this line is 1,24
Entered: 12,21
